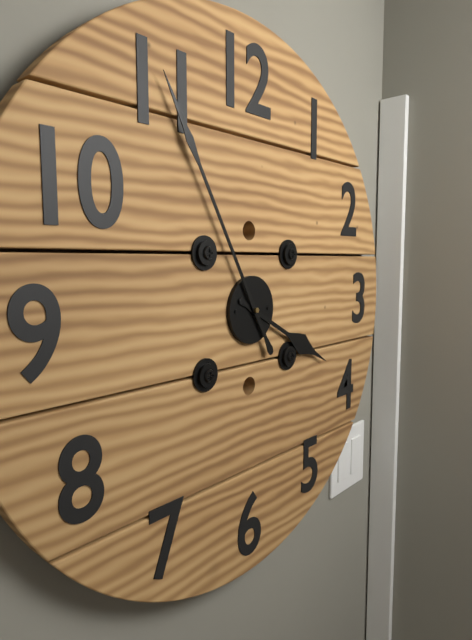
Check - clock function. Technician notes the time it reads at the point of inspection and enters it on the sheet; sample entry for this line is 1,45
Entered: 3,55
